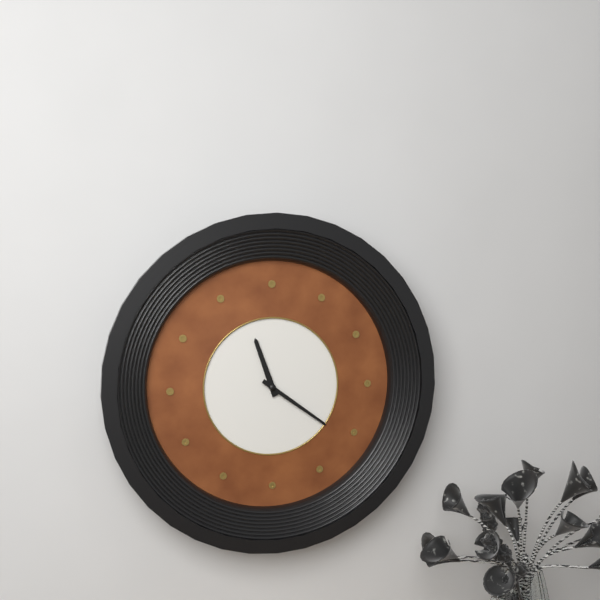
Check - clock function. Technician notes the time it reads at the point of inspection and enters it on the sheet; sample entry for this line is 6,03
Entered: 11,21
